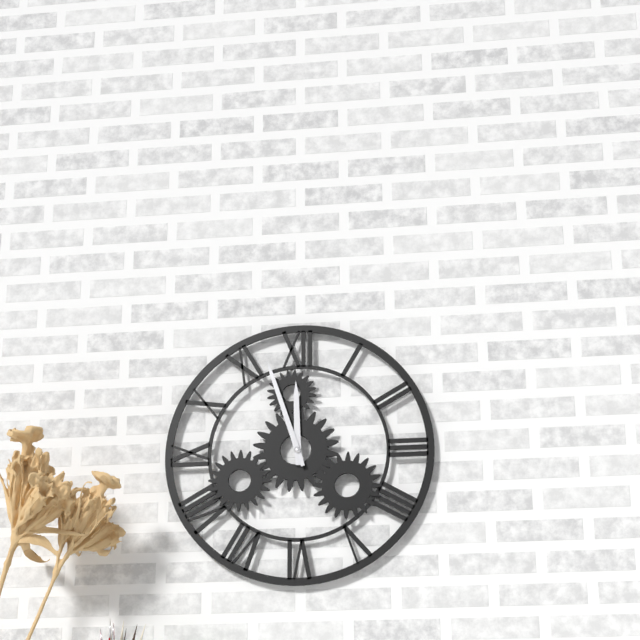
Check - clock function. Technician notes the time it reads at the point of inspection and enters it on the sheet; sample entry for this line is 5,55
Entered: 11,57
